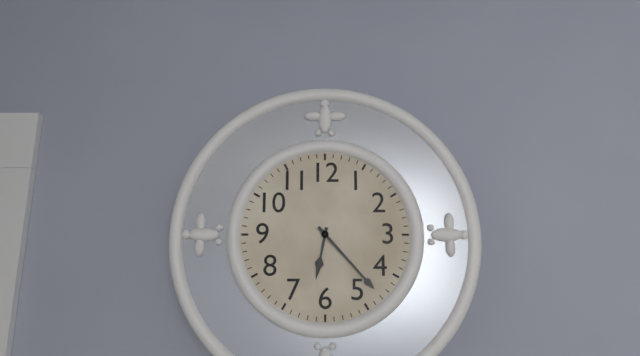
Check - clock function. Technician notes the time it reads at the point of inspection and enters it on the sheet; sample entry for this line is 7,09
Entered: 6,23
